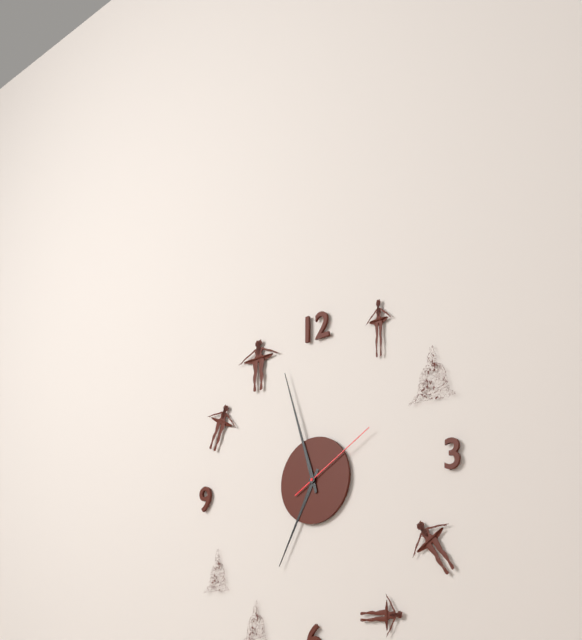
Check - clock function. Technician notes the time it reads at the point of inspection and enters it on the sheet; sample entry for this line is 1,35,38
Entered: 6,57,10
